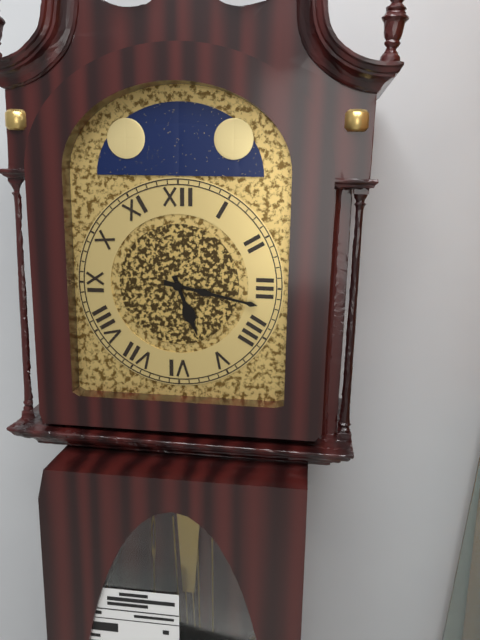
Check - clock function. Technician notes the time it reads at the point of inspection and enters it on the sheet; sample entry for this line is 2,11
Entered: 5,17
